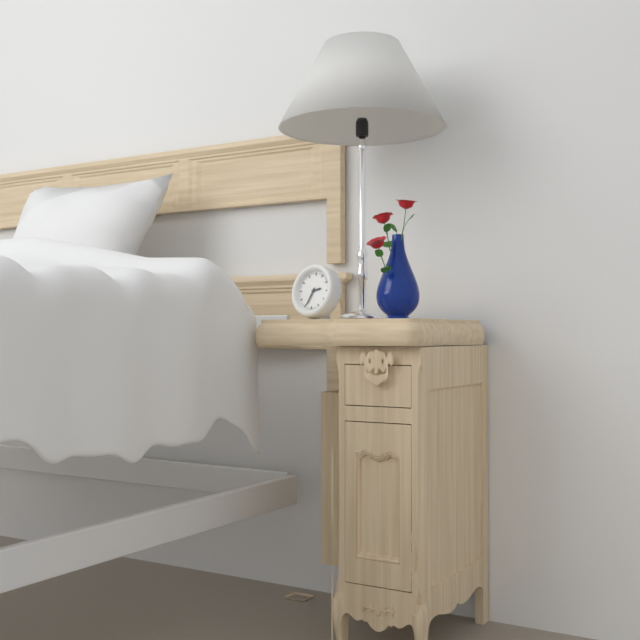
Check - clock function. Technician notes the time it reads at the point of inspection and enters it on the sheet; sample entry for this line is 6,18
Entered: 2,34
